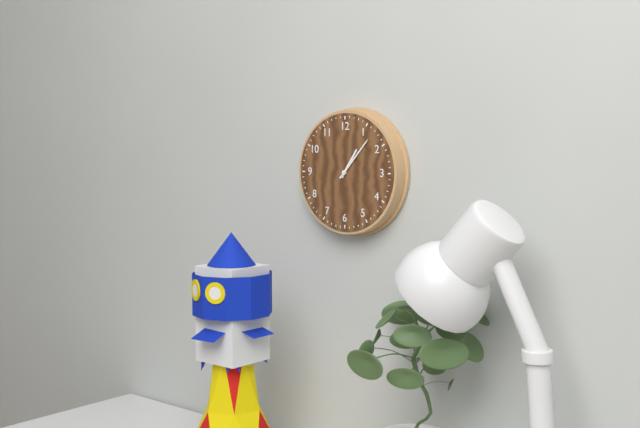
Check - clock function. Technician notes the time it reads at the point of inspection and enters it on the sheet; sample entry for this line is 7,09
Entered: 1,07
